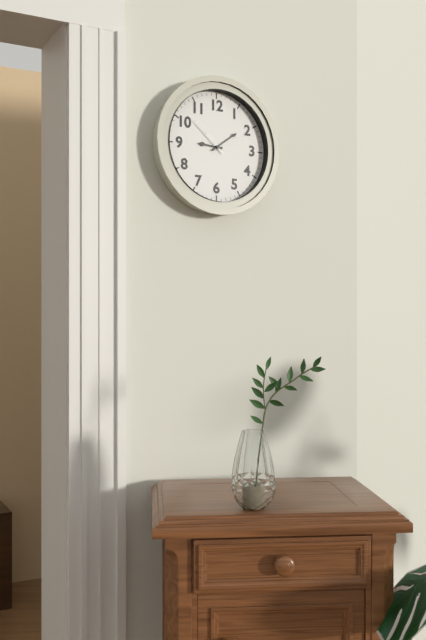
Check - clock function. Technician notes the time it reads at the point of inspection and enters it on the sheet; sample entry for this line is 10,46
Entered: 9,09
